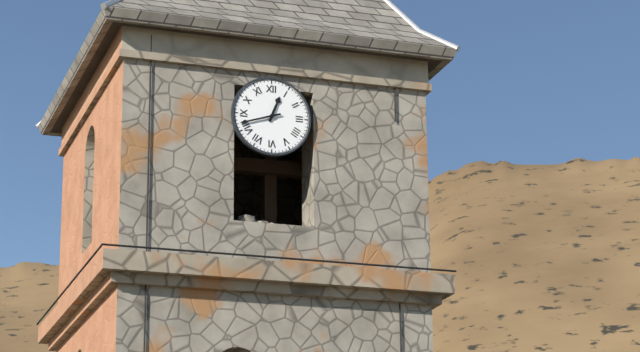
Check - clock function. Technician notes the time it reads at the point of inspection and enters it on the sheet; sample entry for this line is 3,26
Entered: 12,42
